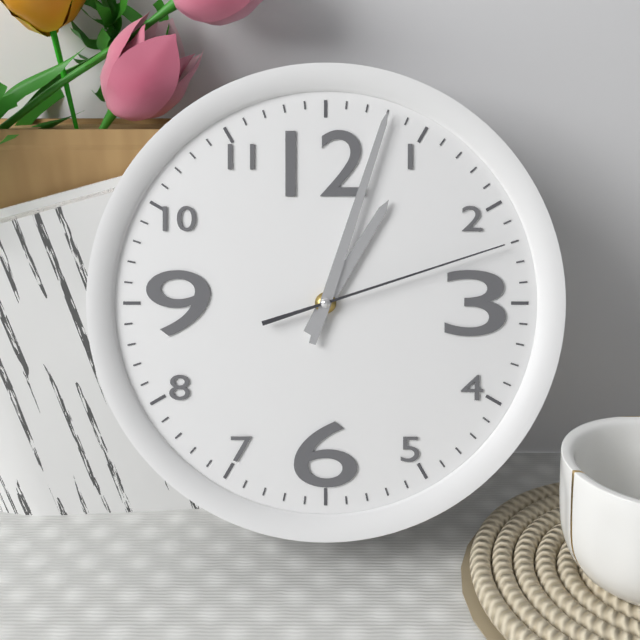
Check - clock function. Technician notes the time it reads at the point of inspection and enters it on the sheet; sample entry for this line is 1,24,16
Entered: 1,03,12
